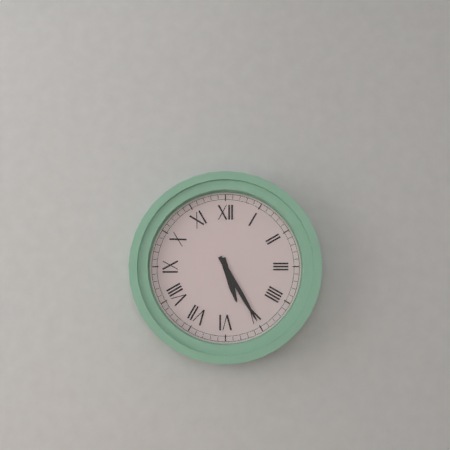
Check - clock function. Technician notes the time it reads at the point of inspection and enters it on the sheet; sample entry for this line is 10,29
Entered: 5,25
